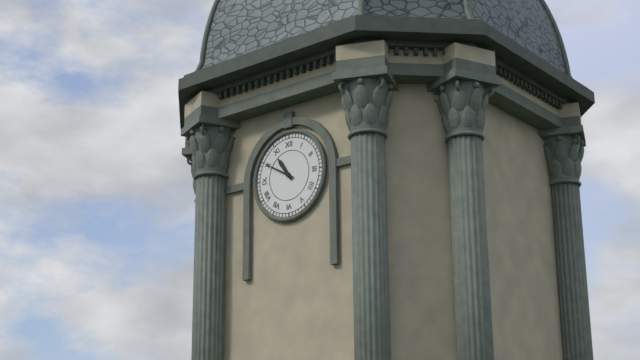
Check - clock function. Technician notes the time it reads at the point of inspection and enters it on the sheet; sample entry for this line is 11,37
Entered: 10,50
